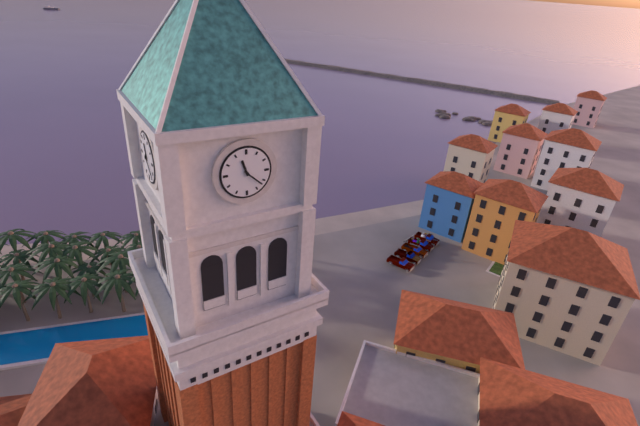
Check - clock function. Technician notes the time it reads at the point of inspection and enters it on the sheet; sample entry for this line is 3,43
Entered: 11,22
